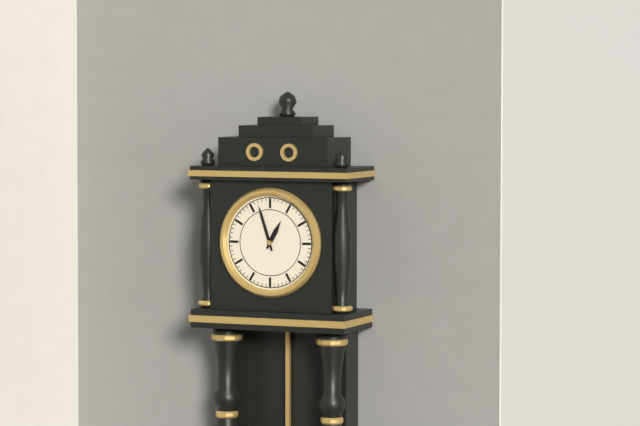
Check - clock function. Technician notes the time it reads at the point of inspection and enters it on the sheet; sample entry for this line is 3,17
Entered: 12,57
